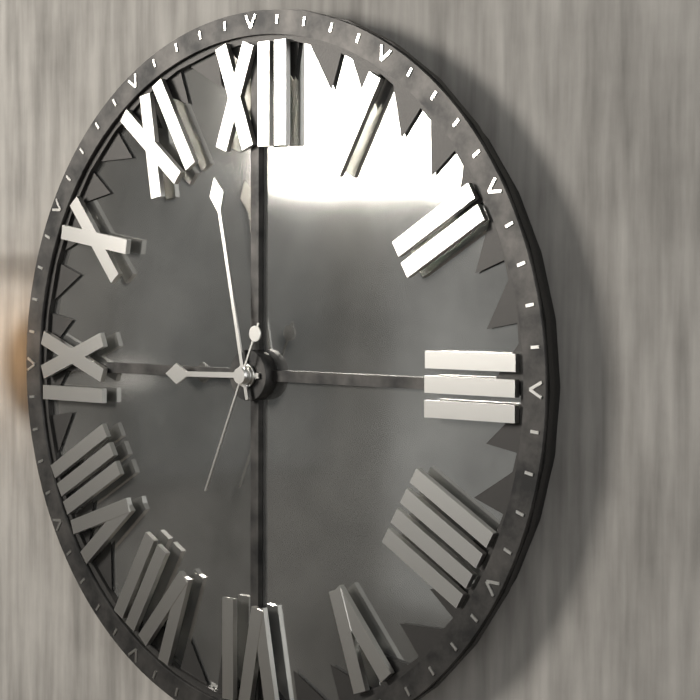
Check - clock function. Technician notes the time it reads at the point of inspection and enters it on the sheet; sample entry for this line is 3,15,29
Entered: 8,58,34
